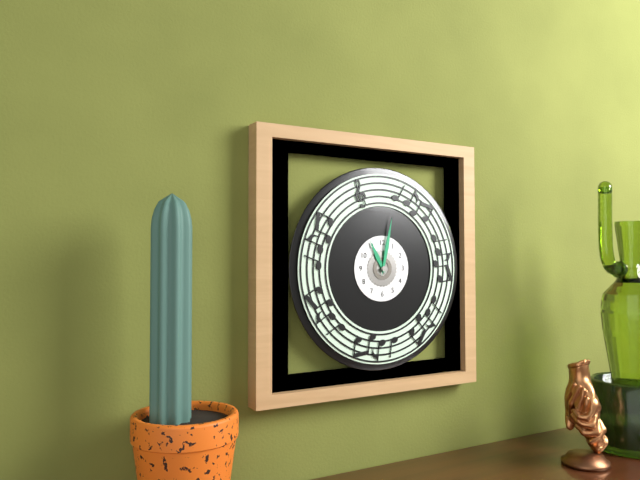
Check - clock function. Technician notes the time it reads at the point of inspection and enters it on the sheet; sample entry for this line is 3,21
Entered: 11,02
